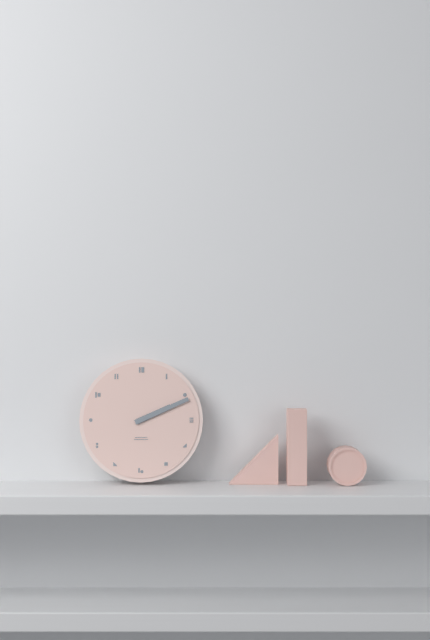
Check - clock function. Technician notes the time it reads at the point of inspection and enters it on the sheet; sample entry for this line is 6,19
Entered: 2,11
